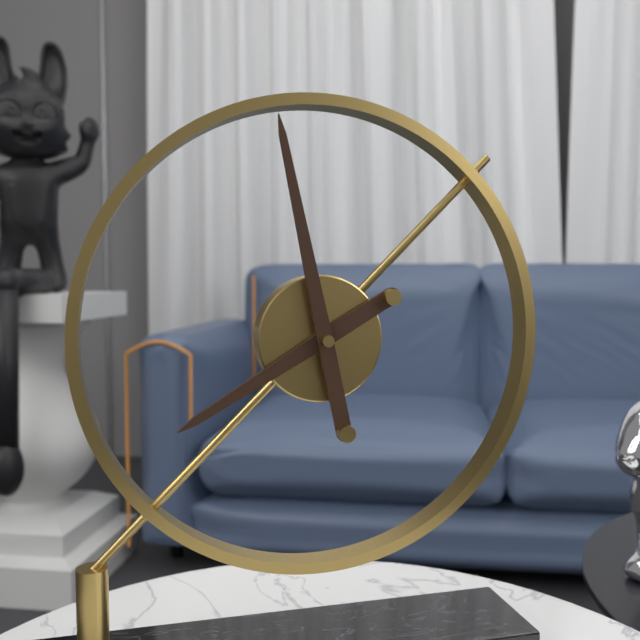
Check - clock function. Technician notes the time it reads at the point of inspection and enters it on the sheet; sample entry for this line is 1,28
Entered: 7,58
